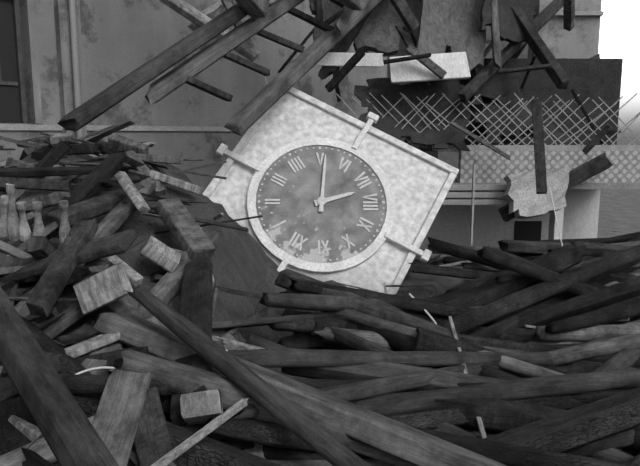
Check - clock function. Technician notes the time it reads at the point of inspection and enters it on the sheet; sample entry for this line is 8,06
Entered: 7,26
